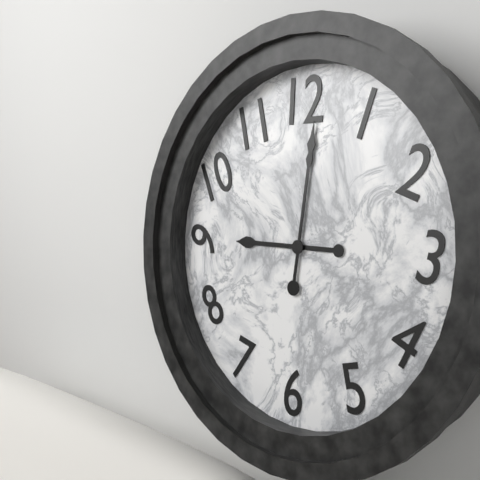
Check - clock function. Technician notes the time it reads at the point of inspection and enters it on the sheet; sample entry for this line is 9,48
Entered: 9,01
